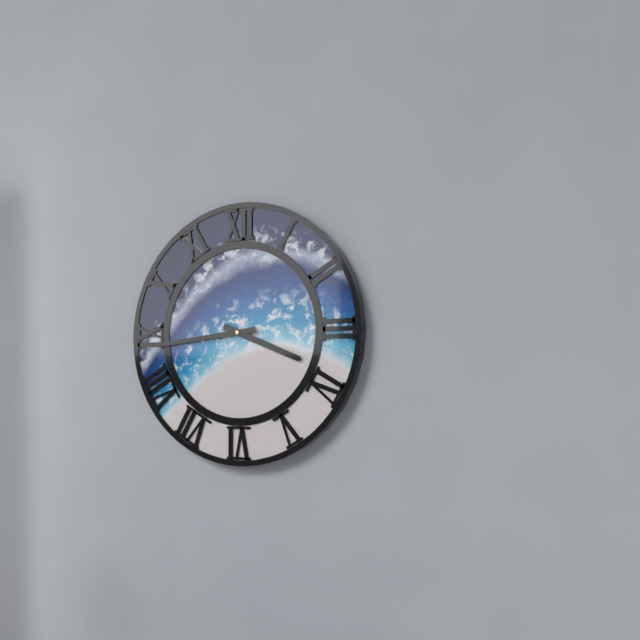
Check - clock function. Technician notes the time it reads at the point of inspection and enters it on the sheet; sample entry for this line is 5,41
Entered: 3,44
